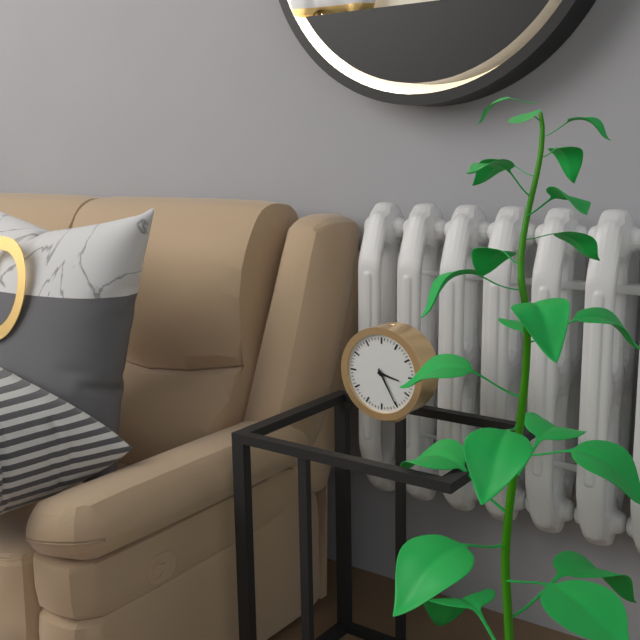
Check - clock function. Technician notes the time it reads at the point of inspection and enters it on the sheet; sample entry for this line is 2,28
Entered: 3,25
